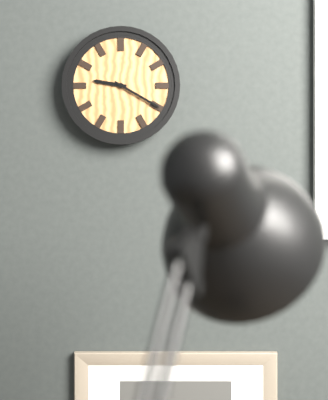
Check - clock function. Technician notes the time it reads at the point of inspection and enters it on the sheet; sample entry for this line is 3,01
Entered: 9,20
